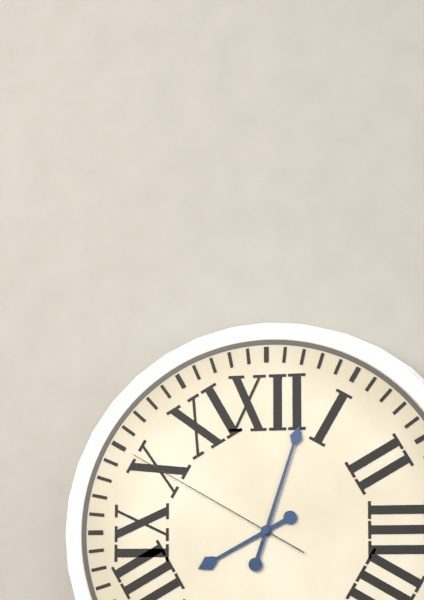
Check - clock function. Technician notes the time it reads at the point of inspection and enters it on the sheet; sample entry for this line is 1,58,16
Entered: 8,03,50
